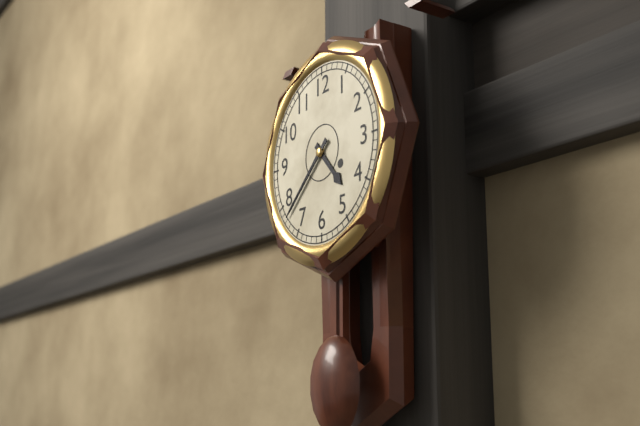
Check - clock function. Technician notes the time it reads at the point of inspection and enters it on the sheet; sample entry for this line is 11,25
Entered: 4,38
